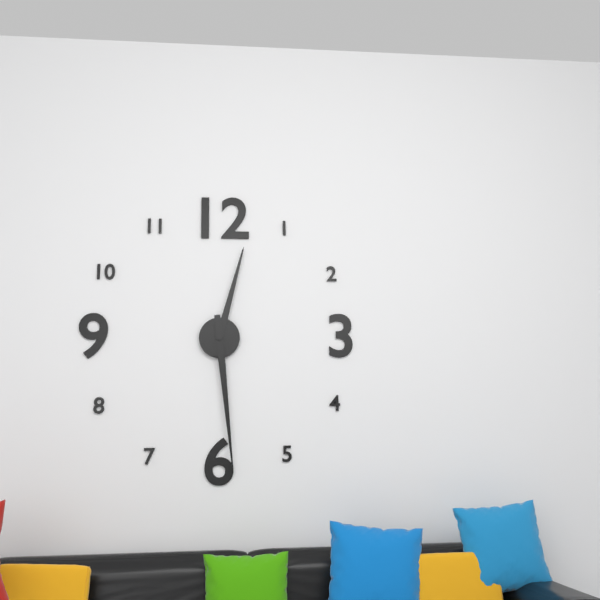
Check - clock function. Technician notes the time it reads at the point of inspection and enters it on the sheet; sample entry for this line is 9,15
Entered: 12,29
